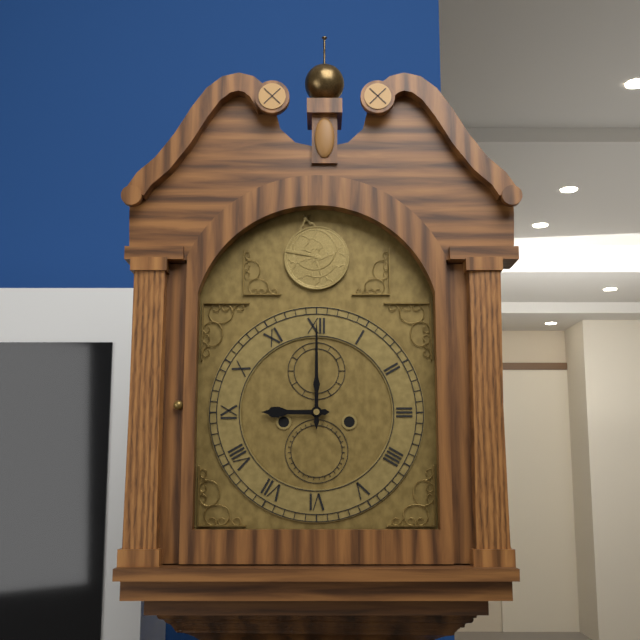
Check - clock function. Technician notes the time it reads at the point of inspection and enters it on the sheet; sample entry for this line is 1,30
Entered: 9,00
